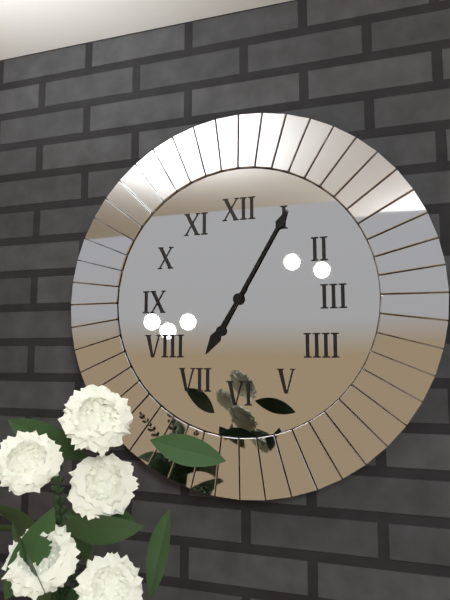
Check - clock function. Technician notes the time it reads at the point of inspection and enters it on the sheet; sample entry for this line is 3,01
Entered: 7,05
